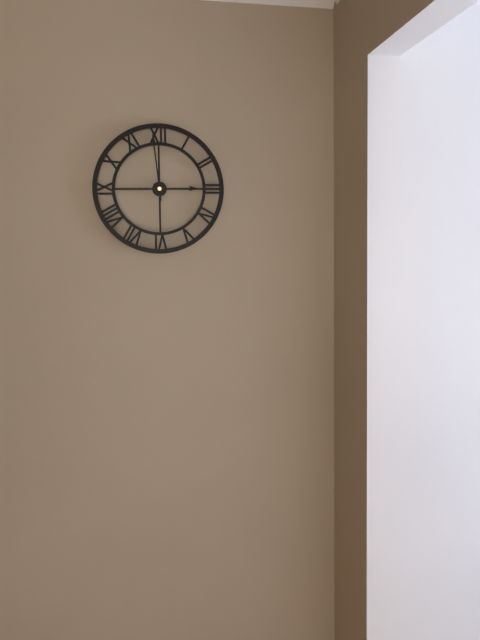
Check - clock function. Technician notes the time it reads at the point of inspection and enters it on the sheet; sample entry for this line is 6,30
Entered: 2,59
